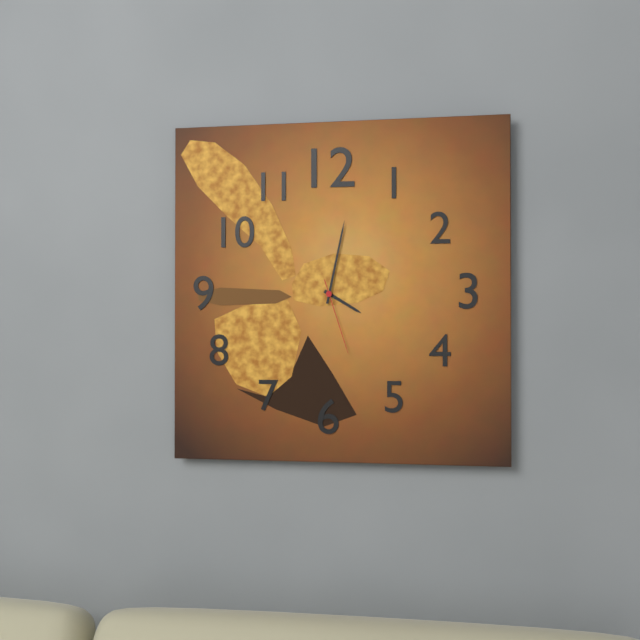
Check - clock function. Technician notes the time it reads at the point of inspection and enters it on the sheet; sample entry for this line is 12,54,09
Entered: 4,02,27
